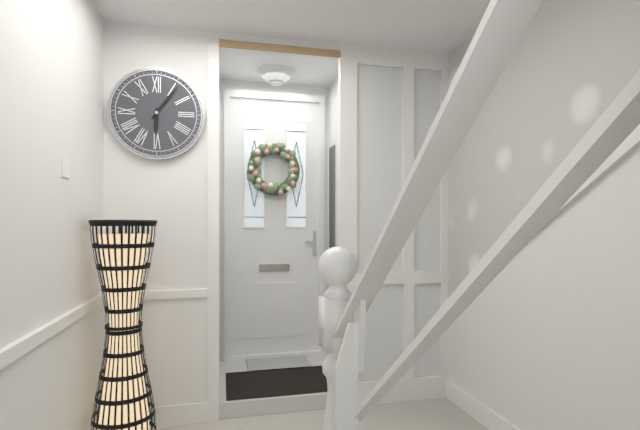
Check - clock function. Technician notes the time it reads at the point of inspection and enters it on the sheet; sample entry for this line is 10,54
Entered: 6,06
